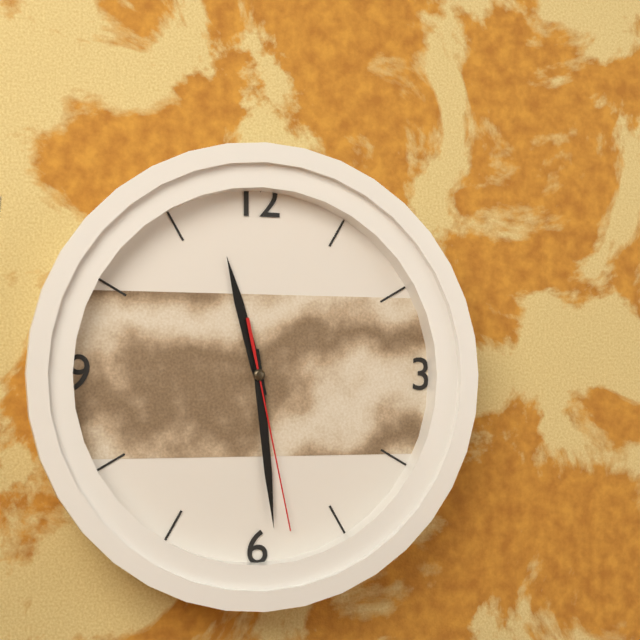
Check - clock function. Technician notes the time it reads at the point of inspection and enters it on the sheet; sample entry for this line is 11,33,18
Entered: 11,29,28
